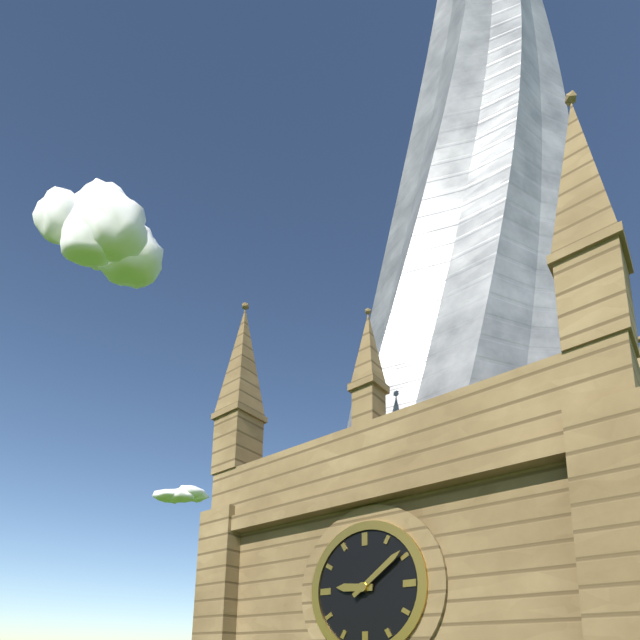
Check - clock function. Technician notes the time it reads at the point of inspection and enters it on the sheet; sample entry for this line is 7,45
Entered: 9,09
